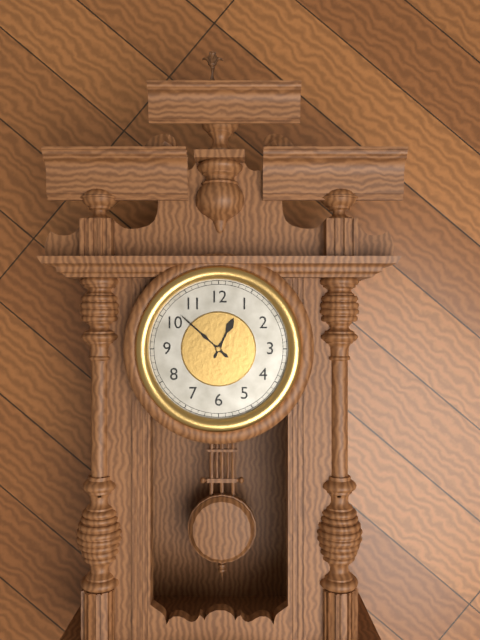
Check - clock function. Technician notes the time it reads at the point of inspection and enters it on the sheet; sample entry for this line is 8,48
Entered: 12,52
